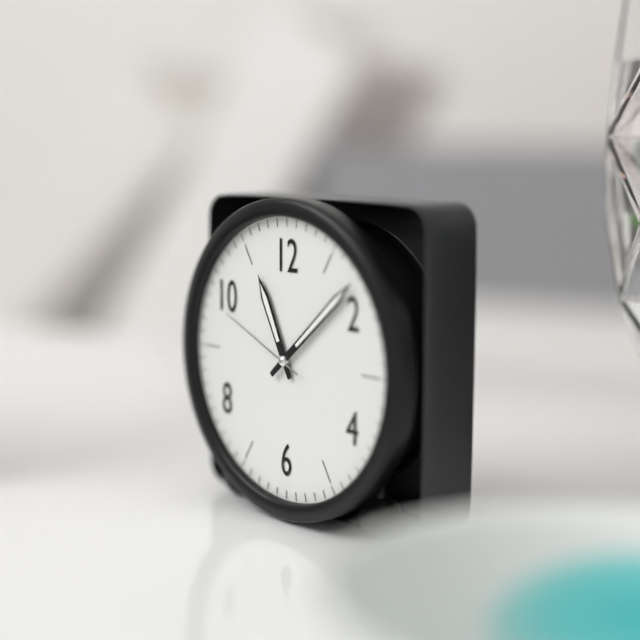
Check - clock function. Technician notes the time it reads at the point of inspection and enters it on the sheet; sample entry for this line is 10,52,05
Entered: 11,08,49
